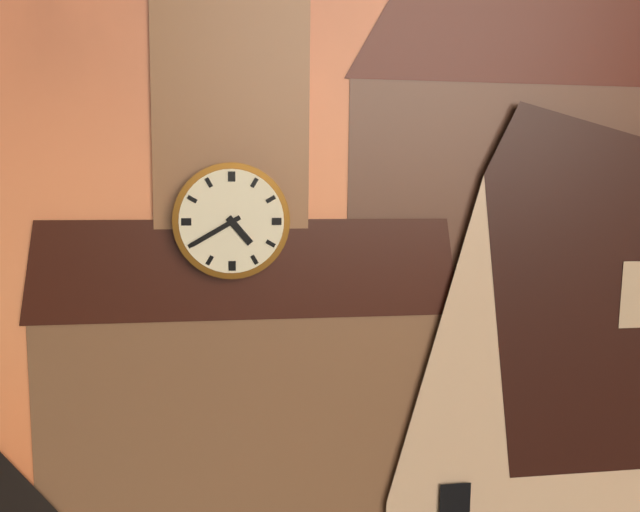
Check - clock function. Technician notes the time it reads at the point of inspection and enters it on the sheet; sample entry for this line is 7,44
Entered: 4,40
